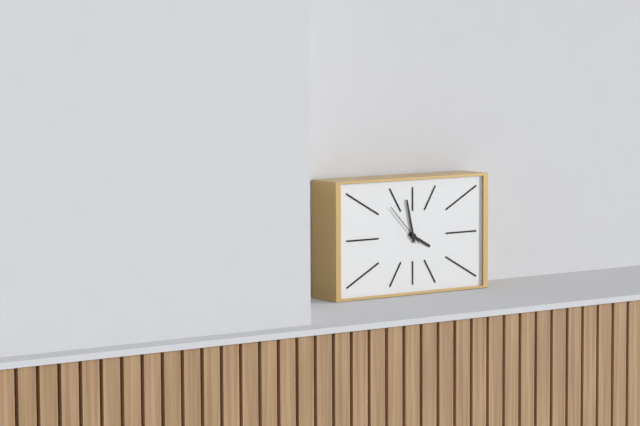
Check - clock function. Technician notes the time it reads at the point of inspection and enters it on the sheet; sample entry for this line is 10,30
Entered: 3,58
